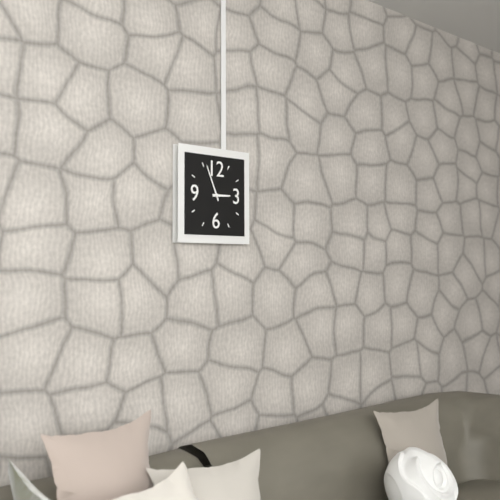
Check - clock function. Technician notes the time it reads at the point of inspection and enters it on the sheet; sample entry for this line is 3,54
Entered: 2,56
